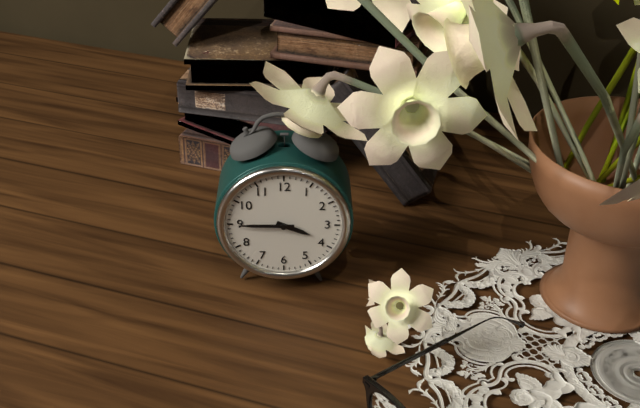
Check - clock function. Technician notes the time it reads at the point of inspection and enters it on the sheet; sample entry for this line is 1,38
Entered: 3,45
